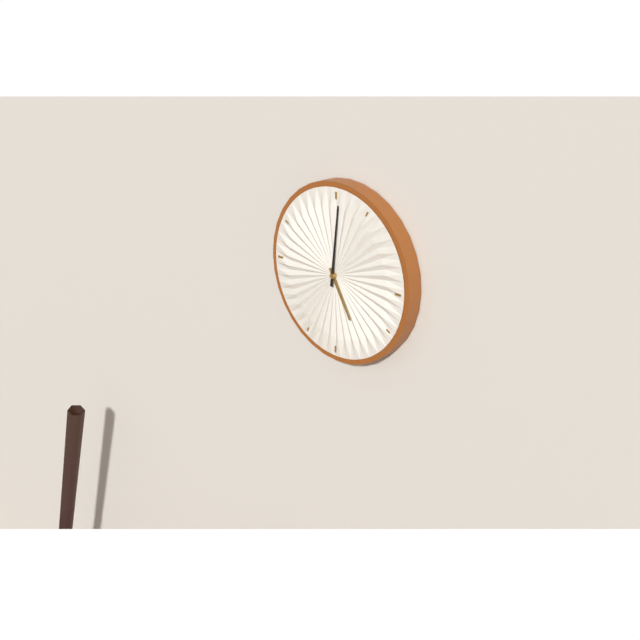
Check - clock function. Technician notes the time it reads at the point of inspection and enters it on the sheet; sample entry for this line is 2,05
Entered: 5,01
